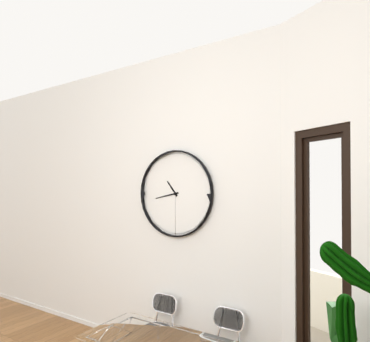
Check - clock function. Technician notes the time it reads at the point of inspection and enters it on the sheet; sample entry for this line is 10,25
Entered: 10,43
